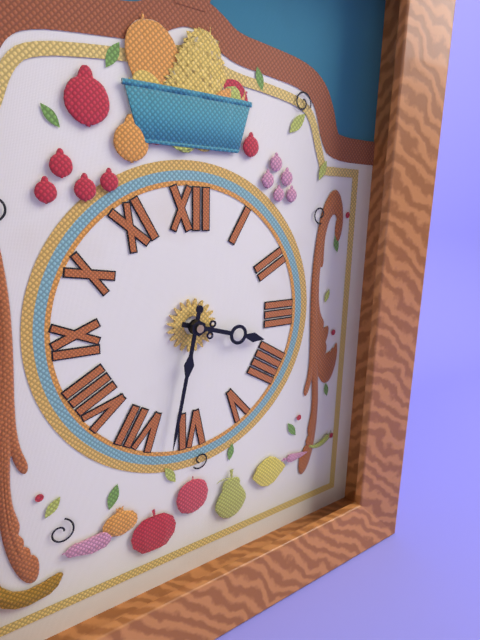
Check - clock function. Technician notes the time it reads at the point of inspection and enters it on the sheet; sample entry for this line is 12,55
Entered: 3,32
